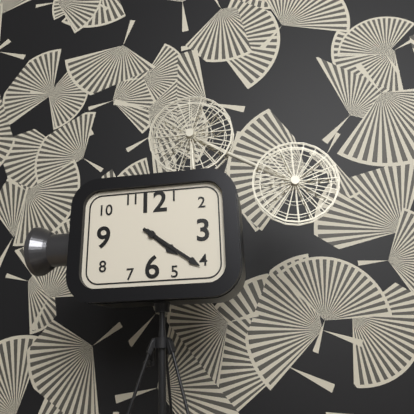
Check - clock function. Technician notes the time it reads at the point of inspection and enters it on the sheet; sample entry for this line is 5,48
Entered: 4,21
